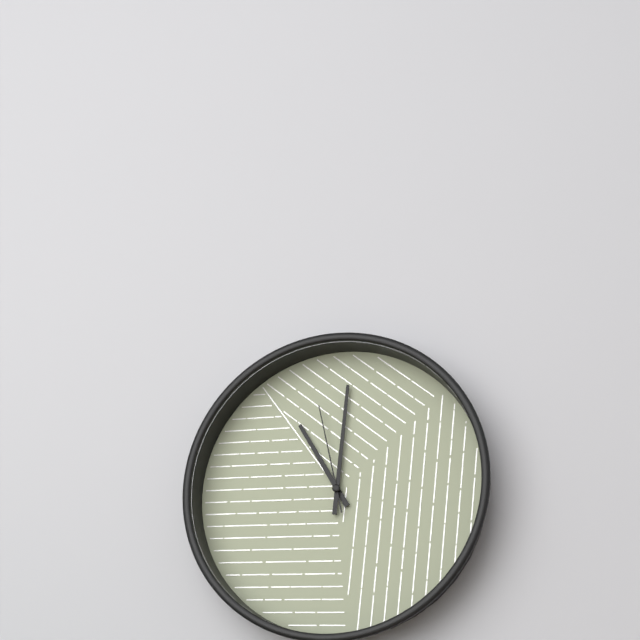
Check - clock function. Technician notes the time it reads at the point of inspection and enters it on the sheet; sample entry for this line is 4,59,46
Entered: 11,01,58
